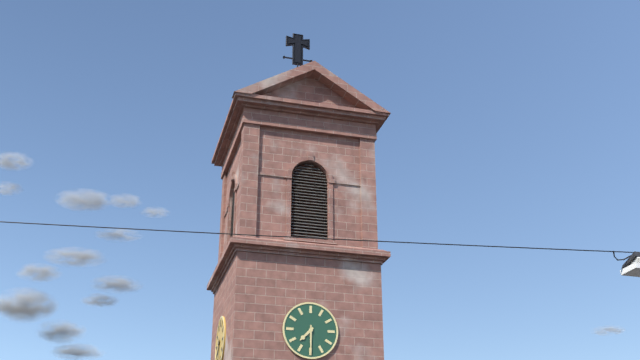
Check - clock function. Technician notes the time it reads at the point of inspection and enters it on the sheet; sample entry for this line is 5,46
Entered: 7,30
